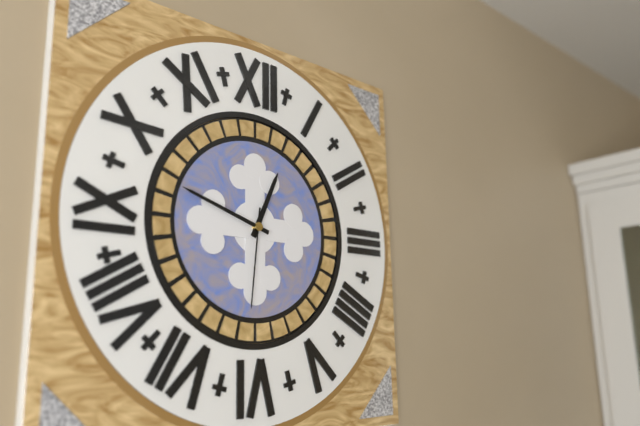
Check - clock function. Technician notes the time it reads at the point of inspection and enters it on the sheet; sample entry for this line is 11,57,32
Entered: 12,48,31
